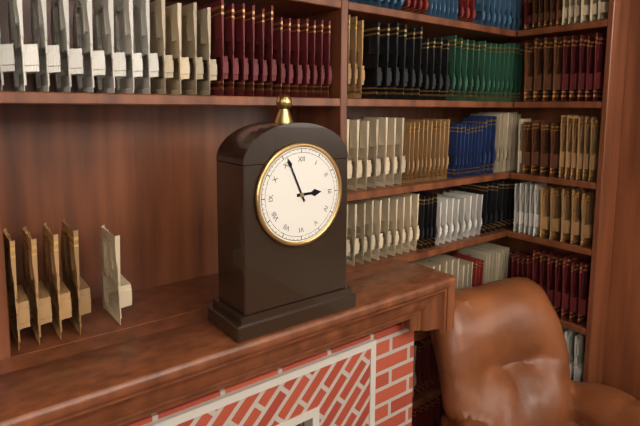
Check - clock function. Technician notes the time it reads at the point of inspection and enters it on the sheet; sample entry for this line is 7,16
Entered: 2,56
